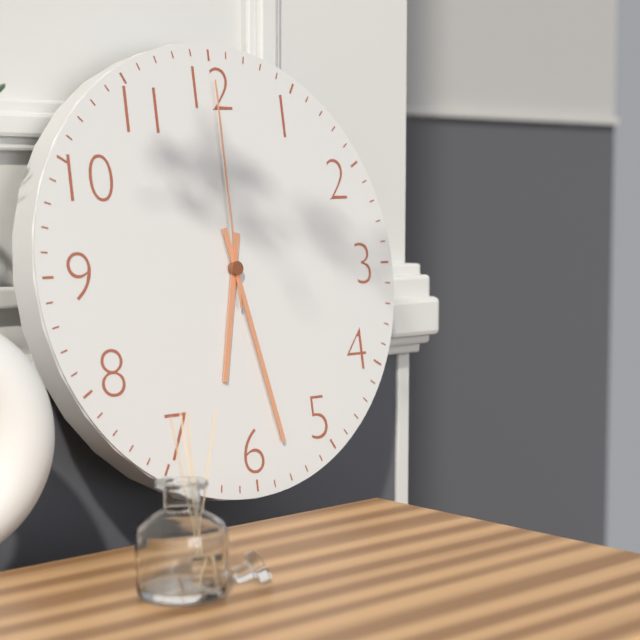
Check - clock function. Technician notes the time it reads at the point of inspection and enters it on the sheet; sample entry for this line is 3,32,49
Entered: 6,28,00
